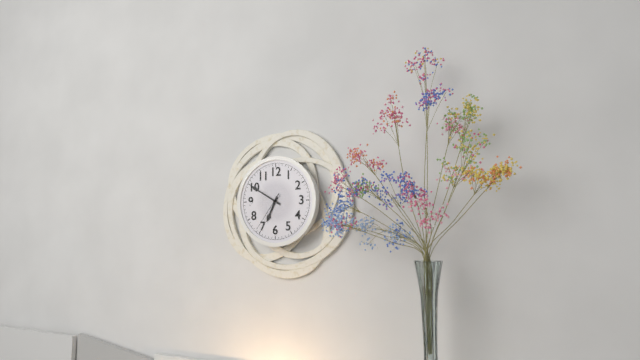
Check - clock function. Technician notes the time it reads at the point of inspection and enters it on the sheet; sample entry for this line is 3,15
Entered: 6,50
